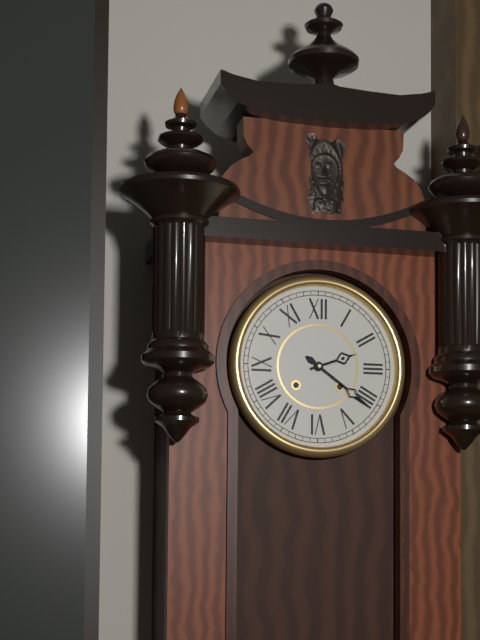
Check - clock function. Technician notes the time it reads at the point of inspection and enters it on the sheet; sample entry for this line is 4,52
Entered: 2,21
